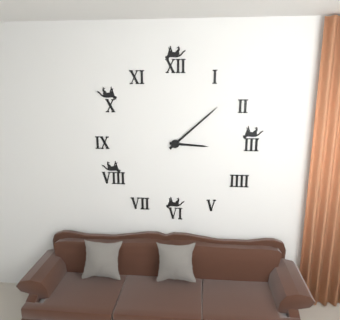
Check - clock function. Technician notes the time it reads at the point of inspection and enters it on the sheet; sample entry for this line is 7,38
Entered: 3,08
